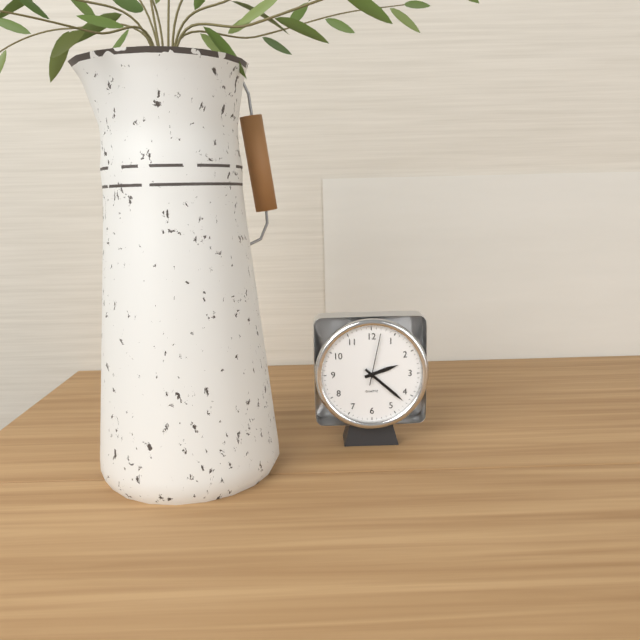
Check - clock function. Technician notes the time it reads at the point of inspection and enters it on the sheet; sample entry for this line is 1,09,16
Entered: 2,22,02
